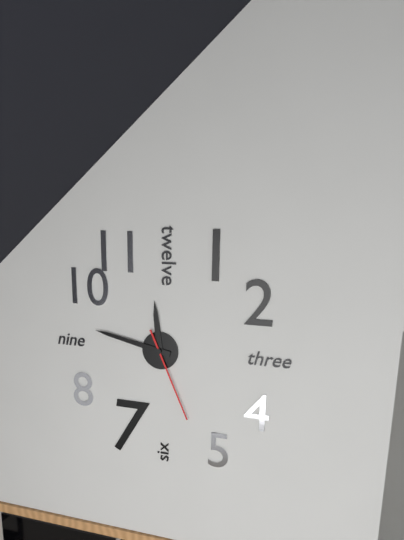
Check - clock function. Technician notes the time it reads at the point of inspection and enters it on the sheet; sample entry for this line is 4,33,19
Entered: 11,47,26
